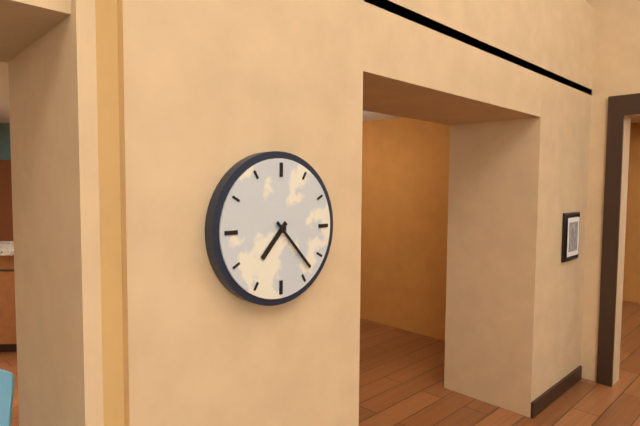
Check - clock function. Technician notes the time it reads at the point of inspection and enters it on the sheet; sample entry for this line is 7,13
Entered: 7,23
